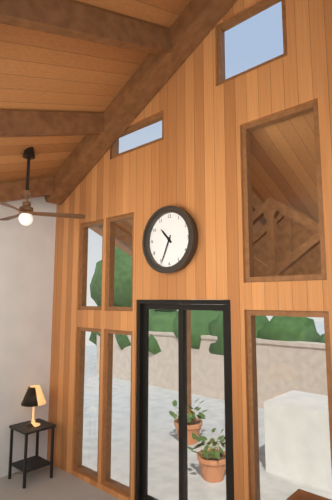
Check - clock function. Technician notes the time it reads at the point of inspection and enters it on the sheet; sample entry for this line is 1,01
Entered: 10,34
